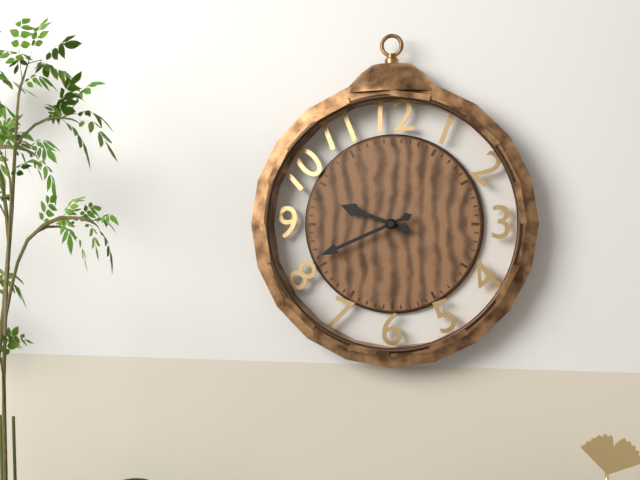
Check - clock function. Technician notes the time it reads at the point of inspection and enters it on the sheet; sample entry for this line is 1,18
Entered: 9,41
